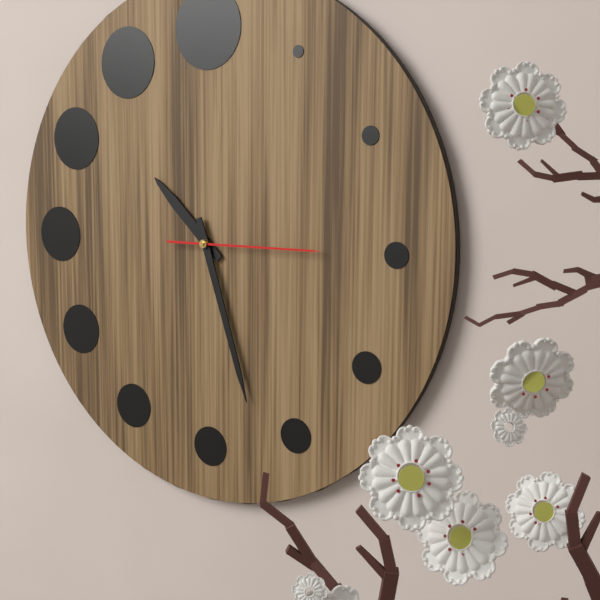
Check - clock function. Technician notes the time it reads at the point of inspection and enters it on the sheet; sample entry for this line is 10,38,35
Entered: 10,27,15
